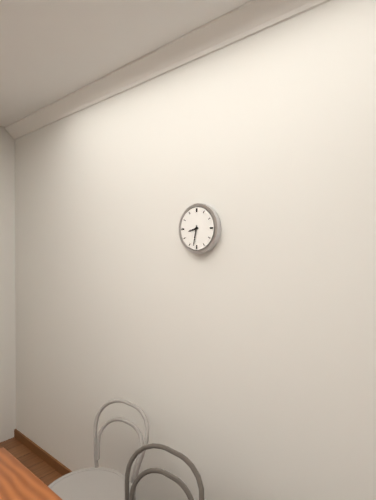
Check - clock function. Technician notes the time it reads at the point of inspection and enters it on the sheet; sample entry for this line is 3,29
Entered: 8,32
